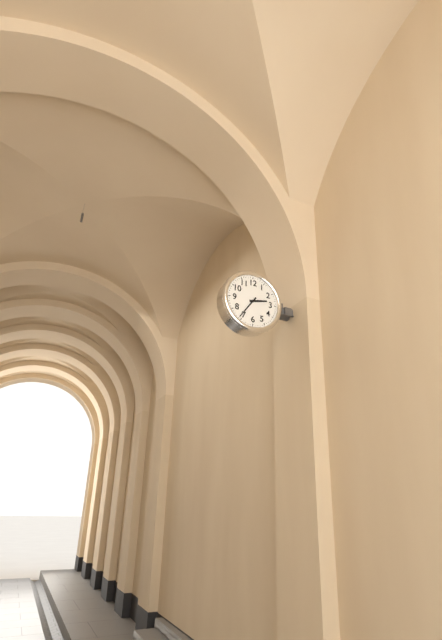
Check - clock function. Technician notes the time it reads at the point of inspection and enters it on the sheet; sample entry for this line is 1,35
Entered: 2,36
